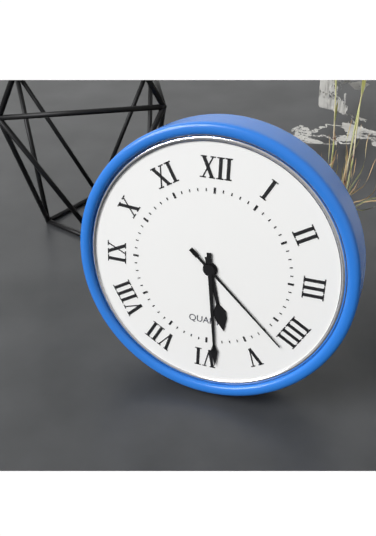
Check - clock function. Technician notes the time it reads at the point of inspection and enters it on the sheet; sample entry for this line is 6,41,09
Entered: 5,29,22
